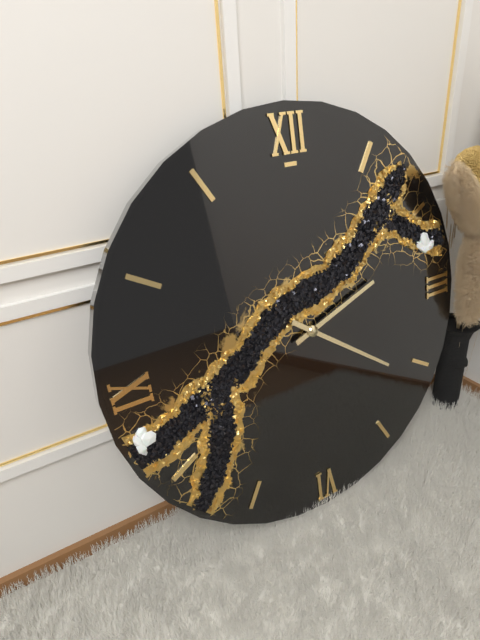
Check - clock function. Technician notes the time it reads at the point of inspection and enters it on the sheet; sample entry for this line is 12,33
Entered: 2,21
